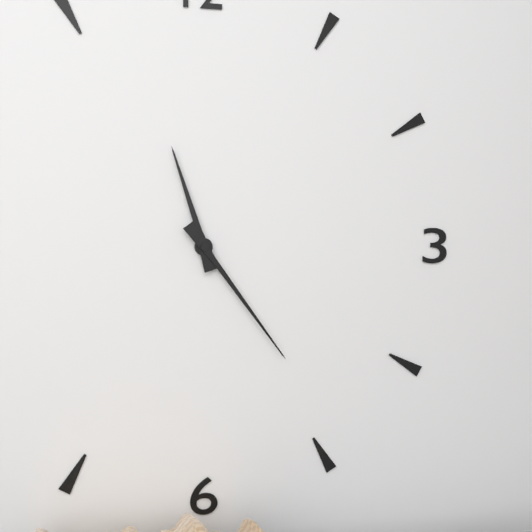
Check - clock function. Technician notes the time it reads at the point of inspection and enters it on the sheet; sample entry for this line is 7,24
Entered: 11,24
